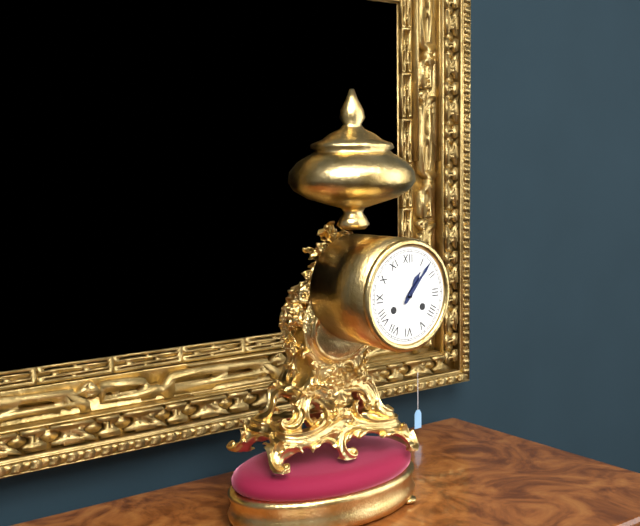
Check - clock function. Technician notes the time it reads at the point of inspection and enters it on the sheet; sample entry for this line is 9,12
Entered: 1,07
